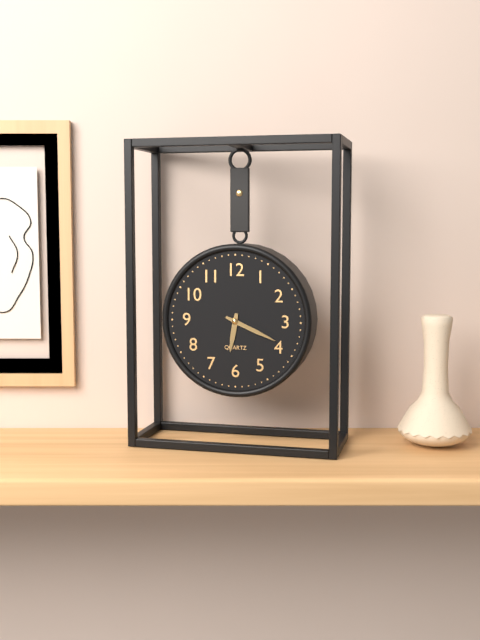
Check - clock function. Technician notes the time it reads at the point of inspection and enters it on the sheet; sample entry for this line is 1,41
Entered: 6,19
